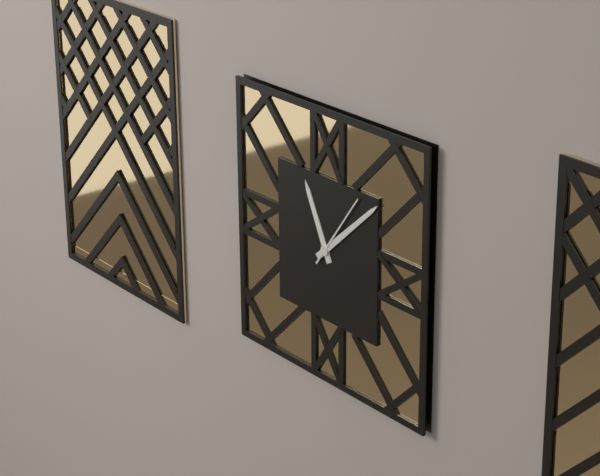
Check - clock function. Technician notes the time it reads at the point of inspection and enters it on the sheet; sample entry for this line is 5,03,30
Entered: 11,08,06
